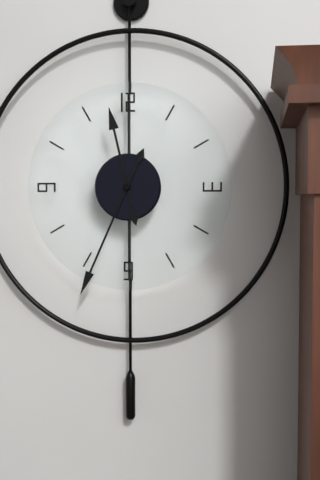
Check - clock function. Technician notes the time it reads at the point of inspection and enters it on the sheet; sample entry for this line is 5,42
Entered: 11,34
